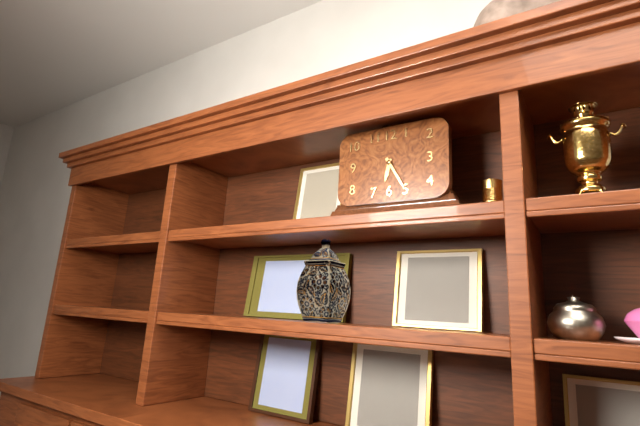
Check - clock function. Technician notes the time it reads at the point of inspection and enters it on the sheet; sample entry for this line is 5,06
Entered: 6,25
